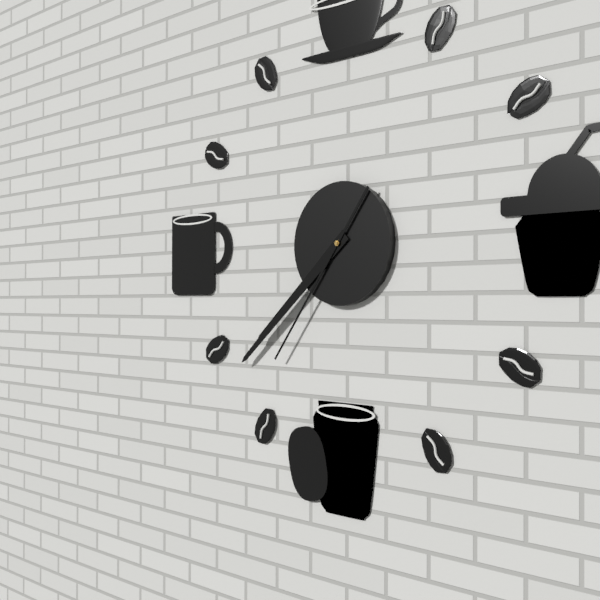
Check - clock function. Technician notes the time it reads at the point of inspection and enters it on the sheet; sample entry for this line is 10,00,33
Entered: 7,38,36
